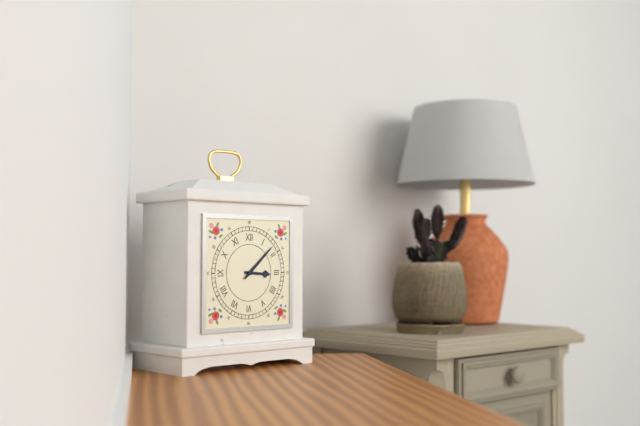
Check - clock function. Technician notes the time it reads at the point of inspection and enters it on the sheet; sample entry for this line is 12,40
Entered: 3,08
